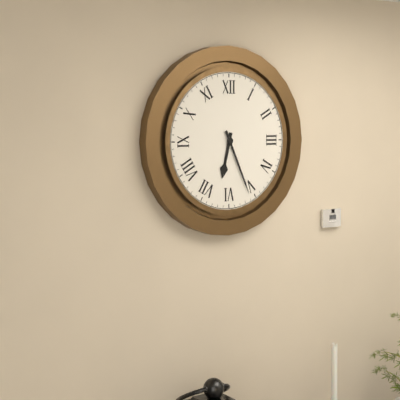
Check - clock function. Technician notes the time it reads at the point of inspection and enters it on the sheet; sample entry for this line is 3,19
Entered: 6,26
